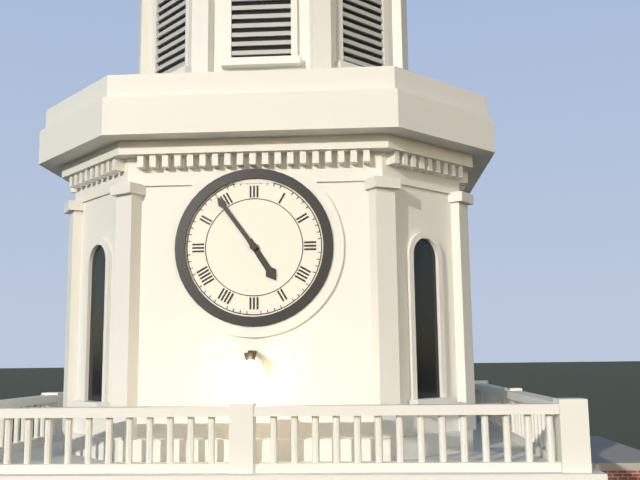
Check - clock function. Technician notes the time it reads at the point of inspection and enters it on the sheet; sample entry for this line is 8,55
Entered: 4,54
